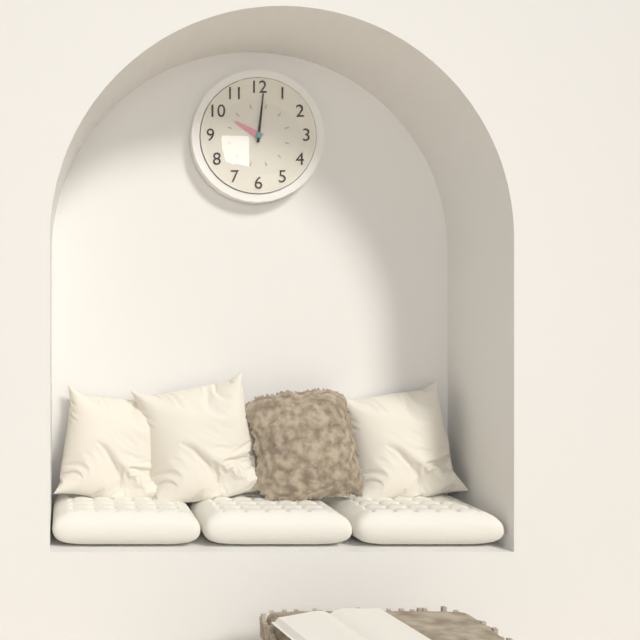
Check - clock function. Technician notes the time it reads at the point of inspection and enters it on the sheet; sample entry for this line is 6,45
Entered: 10,01
